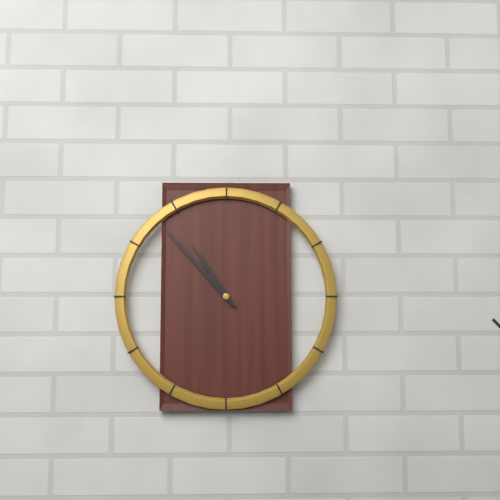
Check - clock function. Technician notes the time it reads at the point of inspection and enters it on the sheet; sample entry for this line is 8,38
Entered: 10,53
